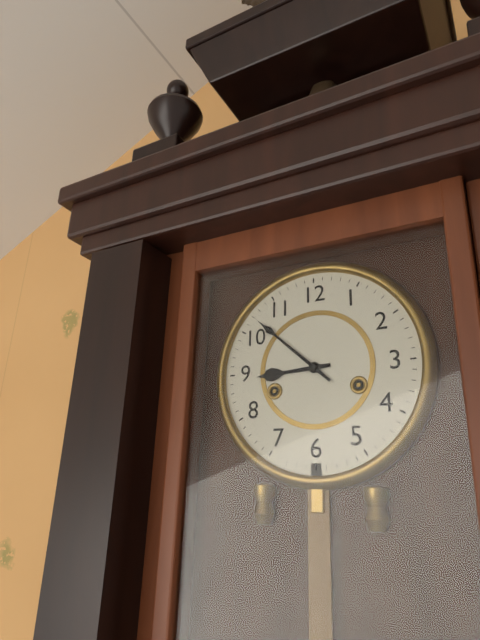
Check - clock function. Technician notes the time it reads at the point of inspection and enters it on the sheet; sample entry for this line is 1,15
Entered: 8,52
